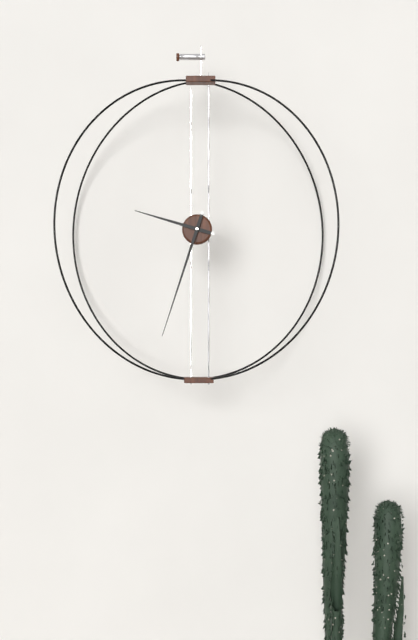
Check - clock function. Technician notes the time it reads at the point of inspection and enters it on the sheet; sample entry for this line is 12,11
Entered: 9,33
